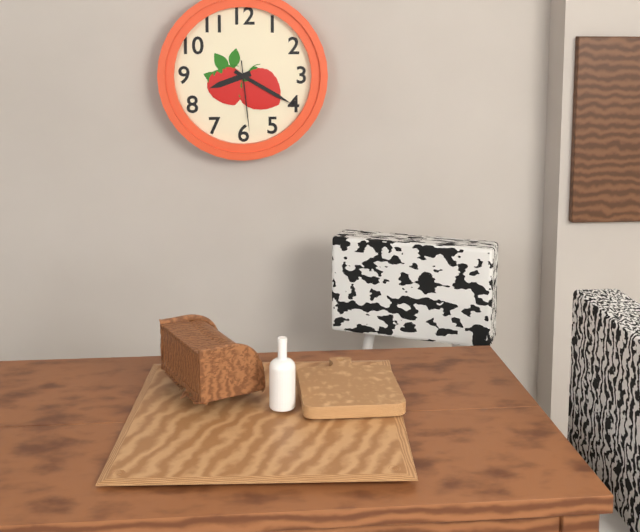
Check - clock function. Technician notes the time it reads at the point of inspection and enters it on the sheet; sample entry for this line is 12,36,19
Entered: 8,20,29
